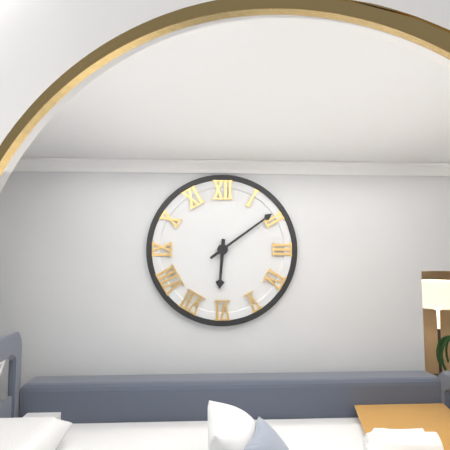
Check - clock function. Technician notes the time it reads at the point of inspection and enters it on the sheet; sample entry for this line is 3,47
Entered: 6,09
